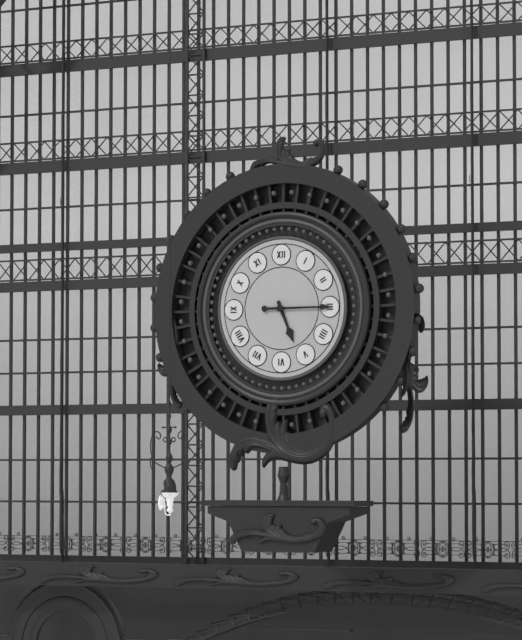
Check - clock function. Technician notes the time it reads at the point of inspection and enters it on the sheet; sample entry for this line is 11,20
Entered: 5,15
